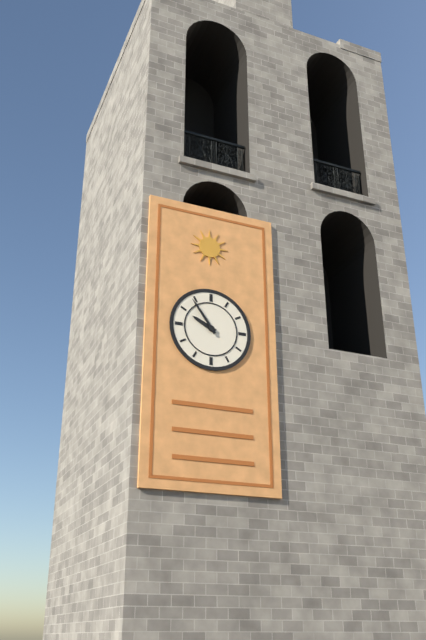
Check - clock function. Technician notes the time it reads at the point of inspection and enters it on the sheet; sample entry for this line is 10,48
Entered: 9,54
